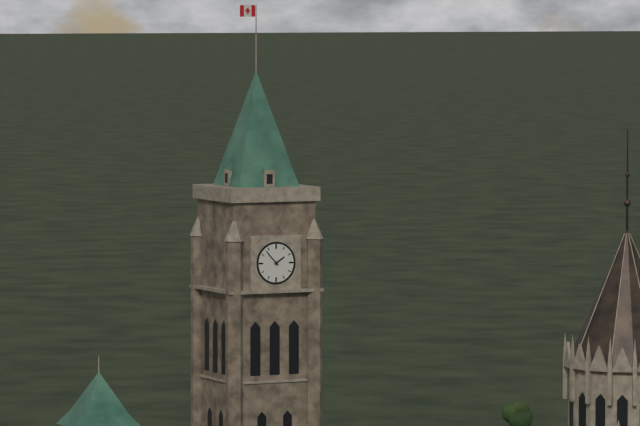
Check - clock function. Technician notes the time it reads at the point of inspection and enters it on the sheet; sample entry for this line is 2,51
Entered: 1,53
